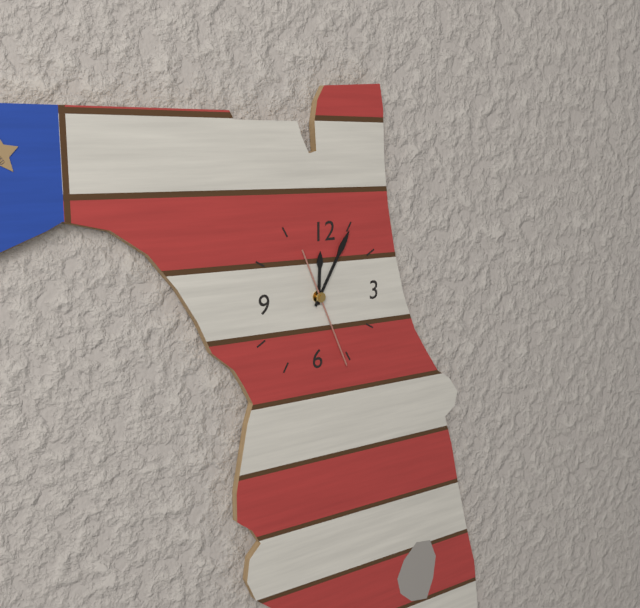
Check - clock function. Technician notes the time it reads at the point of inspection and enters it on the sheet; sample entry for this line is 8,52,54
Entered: 12,05,26
